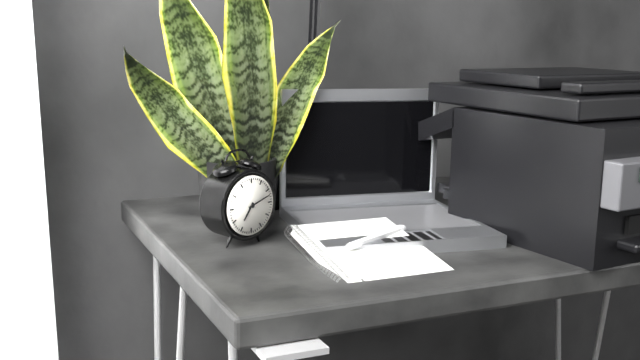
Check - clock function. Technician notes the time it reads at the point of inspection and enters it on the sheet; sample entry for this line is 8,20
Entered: 7,12
